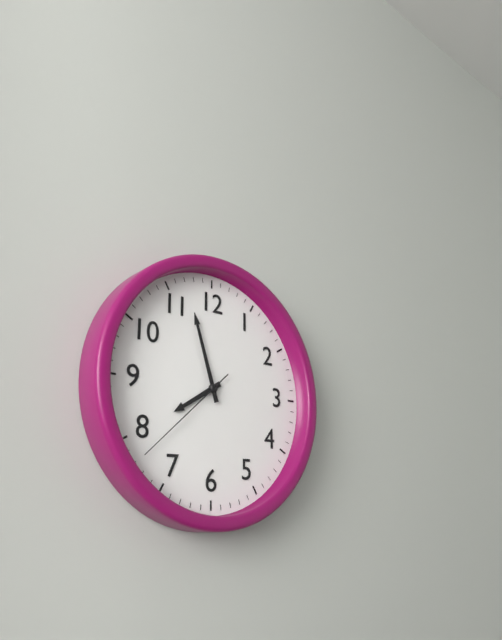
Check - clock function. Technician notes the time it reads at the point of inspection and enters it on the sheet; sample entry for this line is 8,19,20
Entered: 7,57,38
